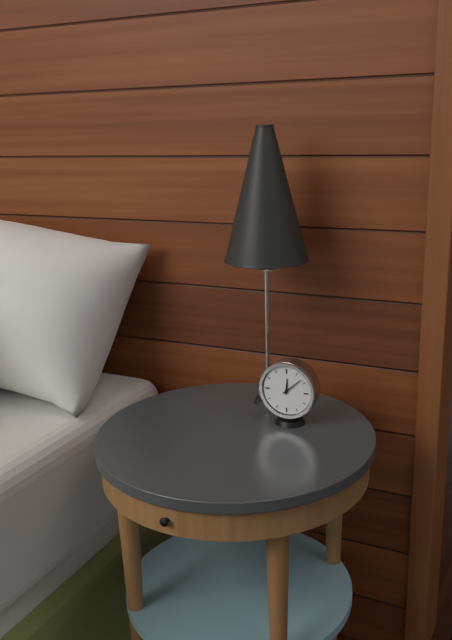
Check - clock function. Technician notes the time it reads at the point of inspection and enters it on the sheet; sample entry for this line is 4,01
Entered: 12,08
